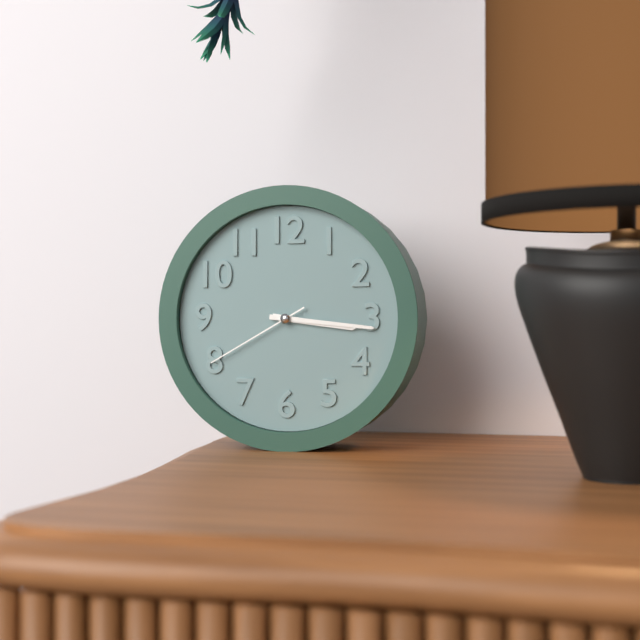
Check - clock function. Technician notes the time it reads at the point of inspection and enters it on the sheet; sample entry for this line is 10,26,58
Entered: 3,16,40
